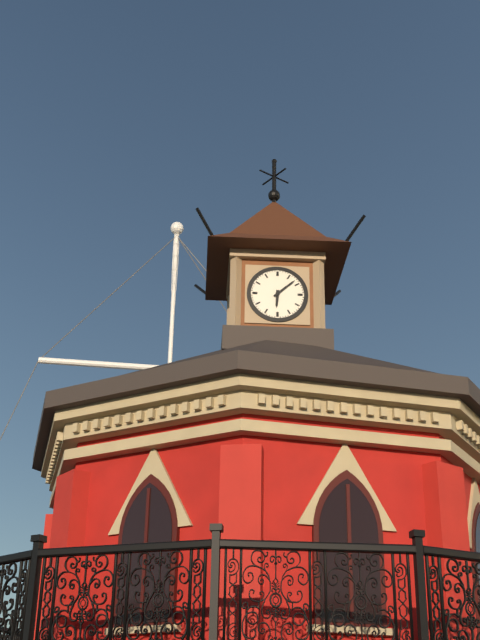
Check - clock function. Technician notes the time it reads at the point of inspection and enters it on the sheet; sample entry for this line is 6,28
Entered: 6,08
